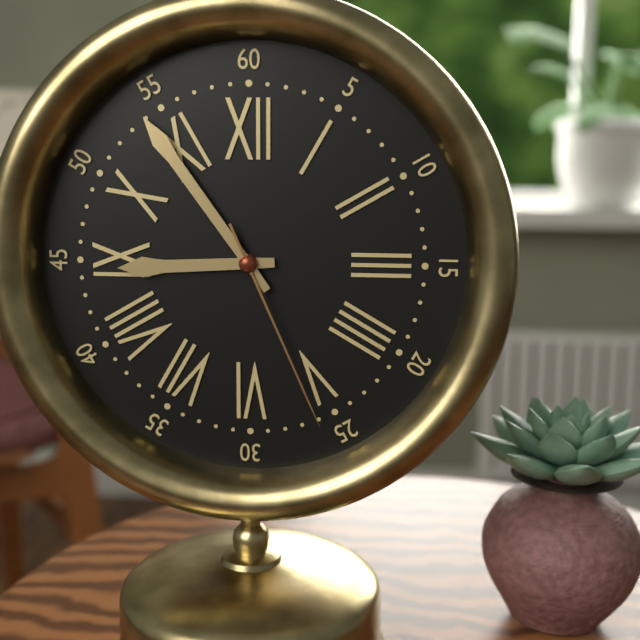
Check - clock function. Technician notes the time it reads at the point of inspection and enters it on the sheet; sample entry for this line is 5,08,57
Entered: 8,54,26
